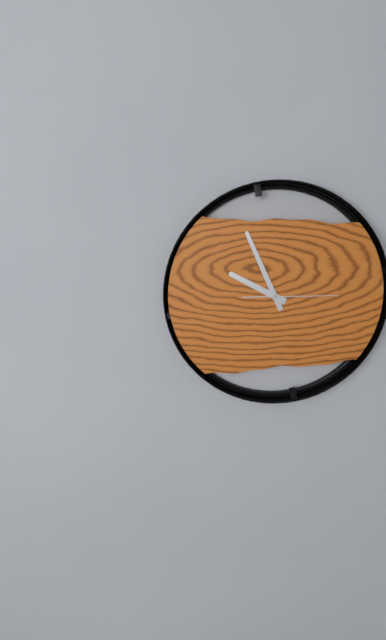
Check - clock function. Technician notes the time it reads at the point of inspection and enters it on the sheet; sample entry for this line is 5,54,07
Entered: 9,56,15
